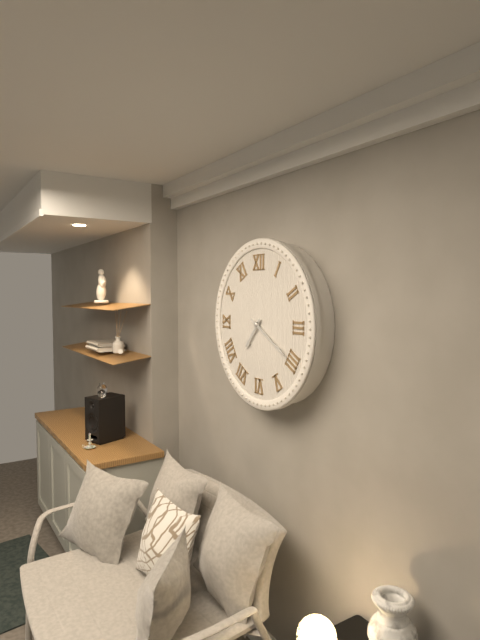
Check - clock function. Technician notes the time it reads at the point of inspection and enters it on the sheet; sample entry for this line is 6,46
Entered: 7,20
